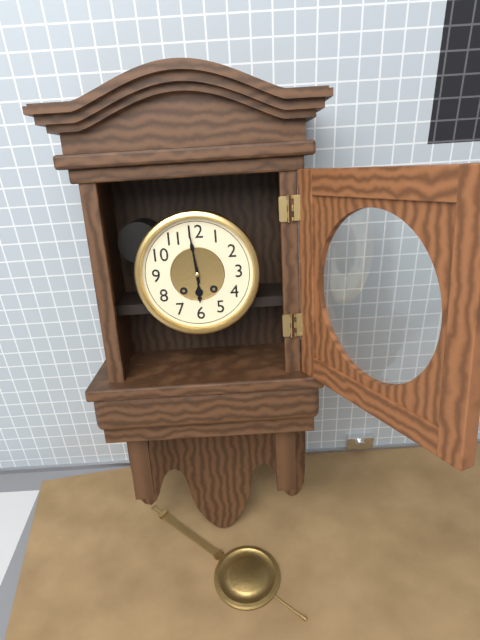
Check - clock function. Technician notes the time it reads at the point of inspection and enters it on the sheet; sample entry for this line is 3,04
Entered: 5,59
